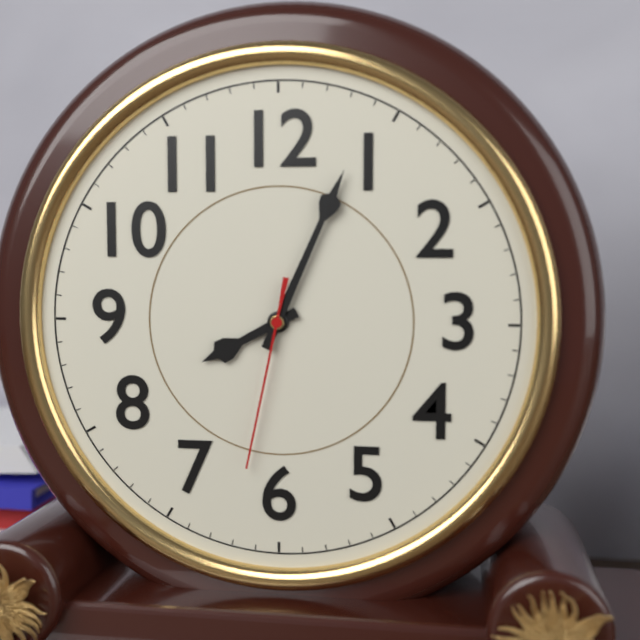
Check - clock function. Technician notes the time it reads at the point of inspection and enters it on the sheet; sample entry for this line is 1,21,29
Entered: 8,04,32
